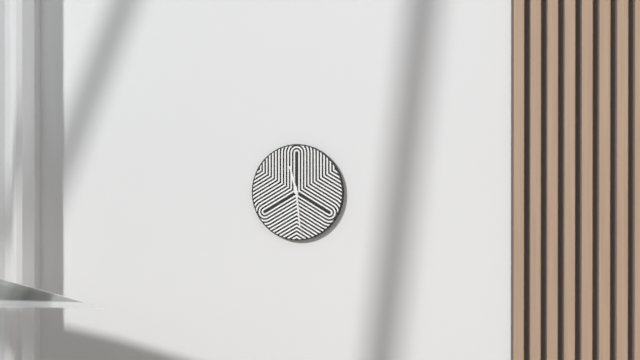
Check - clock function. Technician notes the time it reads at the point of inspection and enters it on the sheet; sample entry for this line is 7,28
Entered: 11,29
